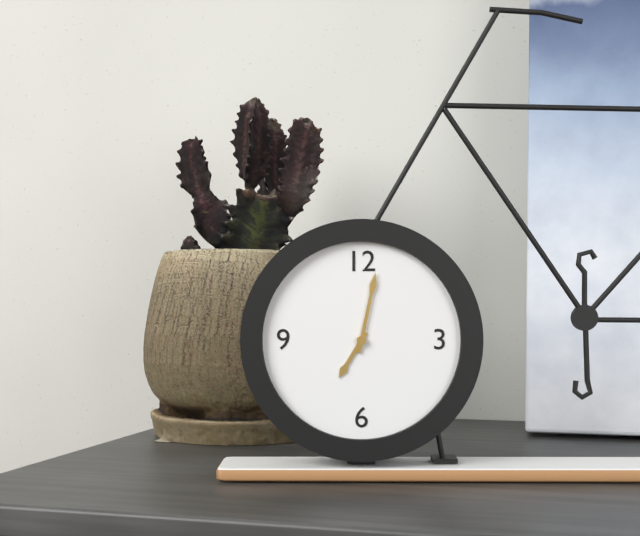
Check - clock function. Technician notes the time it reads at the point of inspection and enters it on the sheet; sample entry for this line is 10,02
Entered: 7,02
